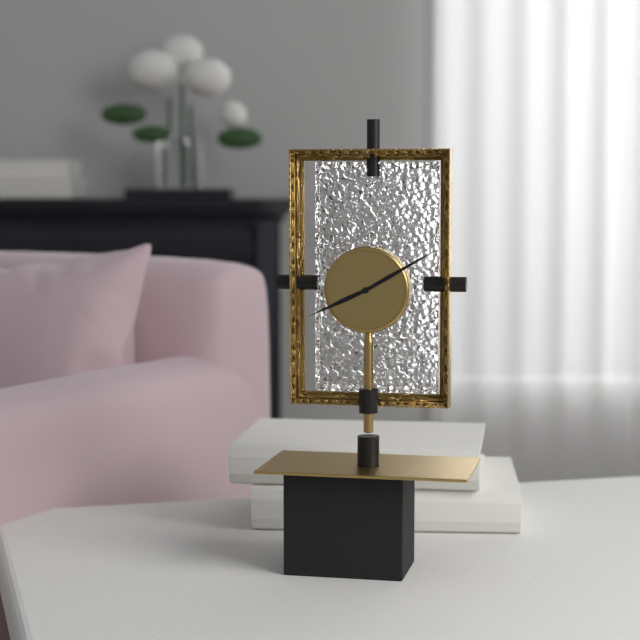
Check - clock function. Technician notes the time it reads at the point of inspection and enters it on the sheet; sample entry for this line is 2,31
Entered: 8,10
